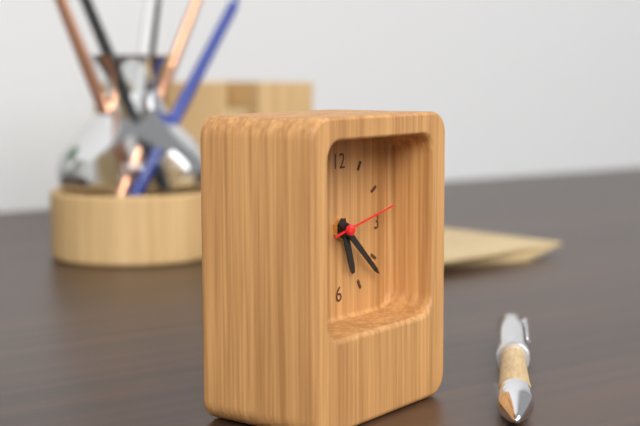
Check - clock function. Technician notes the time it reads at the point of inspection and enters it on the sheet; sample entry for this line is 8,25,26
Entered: 5,22,13
